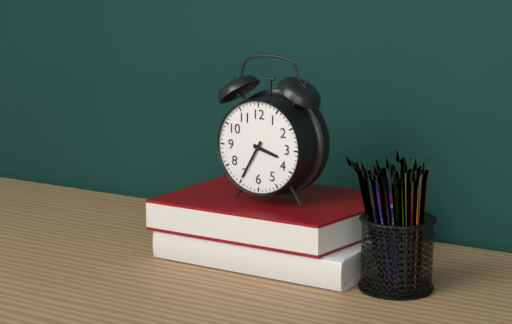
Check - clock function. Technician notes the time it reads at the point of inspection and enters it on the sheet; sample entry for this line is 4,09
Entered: 3,35
